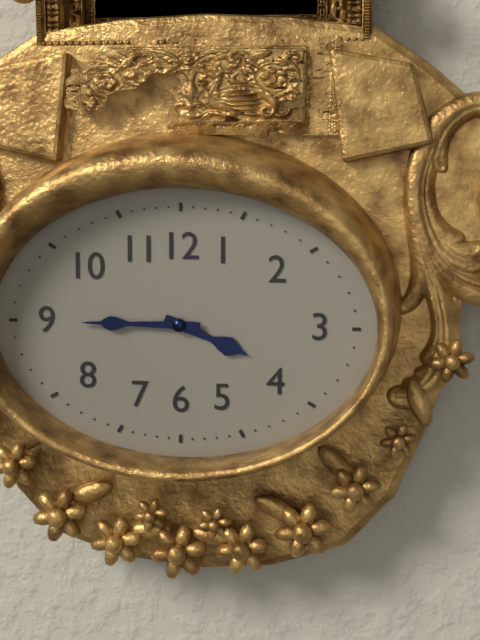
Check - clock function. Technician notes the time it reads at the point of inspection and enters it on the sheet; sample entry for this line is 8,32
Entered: 3,45
